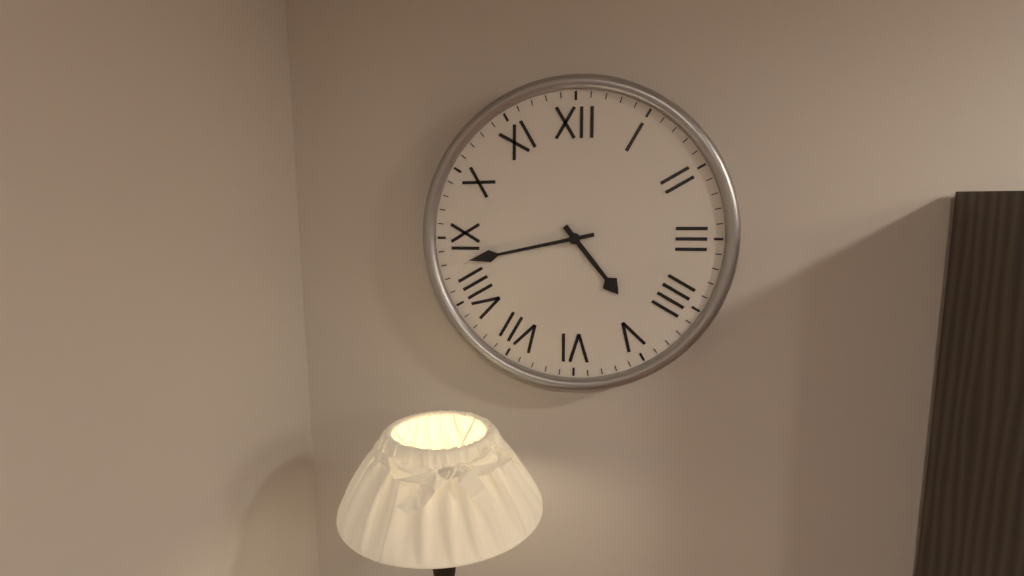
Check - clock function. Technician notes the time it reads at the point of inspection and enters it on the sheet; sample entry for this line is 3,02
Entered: 4,43
